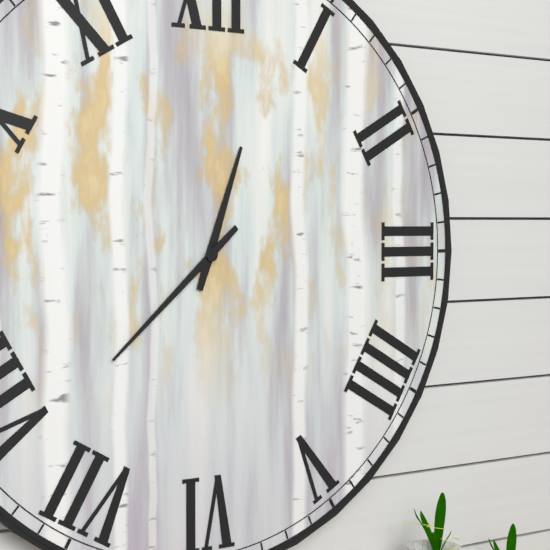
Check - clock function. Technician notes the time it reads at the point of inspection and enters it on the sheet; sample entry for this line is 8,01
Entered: 12,38
